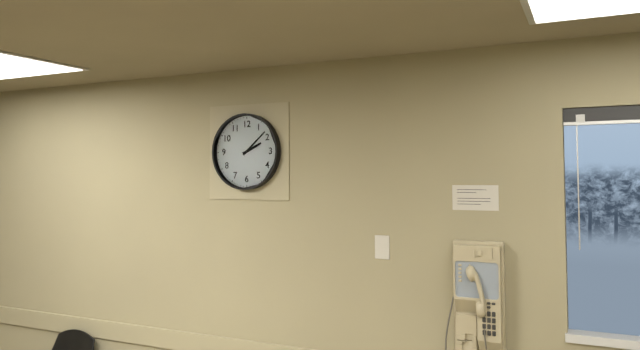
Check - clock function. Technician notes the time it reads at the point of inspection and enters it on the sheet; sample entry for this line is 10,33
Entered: 2,08
